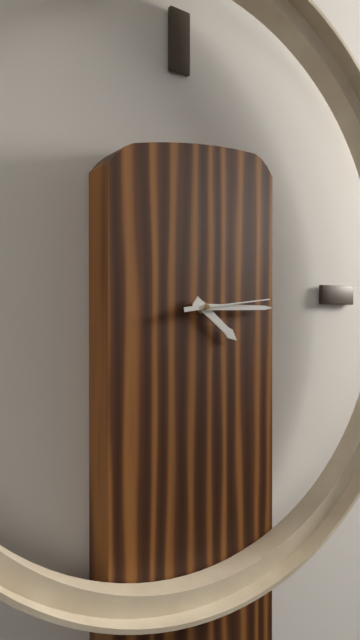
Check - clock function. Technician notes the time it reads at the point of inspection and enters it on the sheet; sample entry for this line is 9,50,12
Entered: 4,15,14
